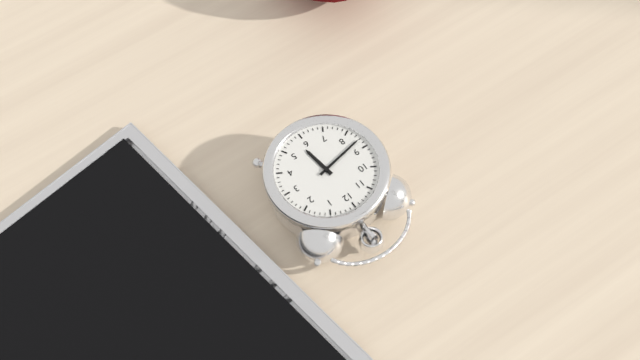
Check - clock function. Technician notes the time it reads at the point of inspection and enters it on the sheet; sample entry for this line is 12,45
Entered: 5,43
